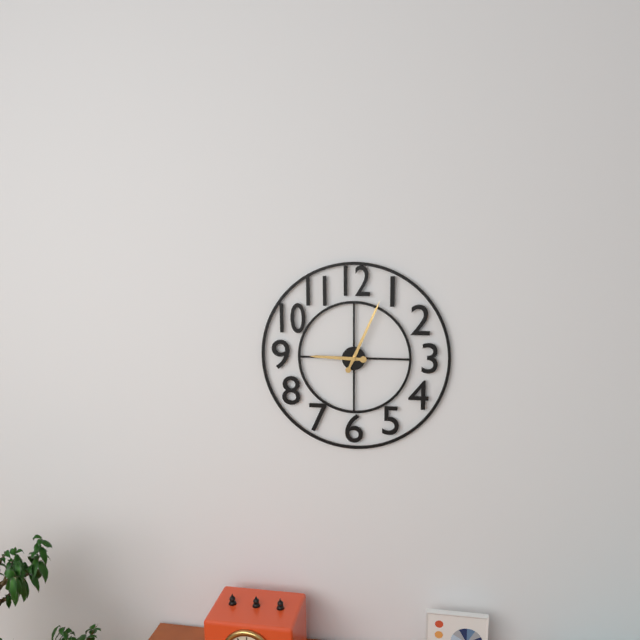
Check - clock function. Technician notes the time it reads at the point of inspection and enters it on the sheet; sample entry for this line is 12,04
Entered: 9,04
